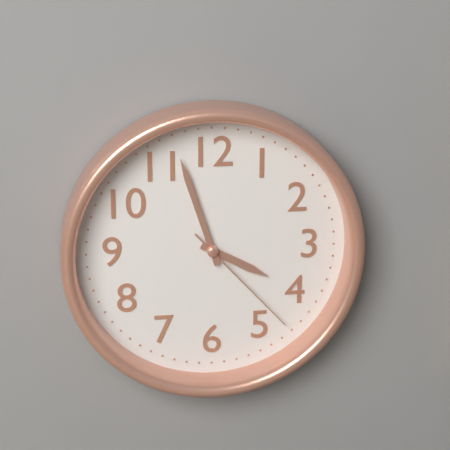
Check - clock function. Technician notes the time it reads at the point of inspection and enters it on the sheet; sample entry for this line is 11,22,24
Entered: 3,57,23
